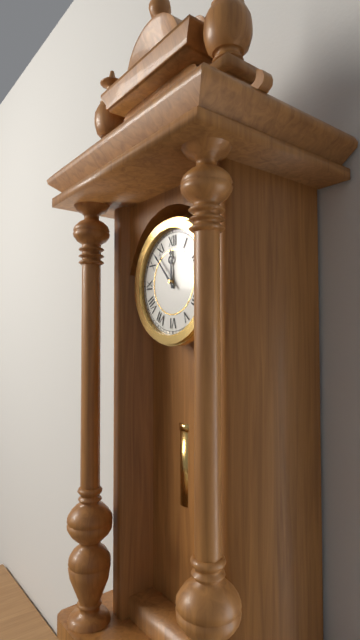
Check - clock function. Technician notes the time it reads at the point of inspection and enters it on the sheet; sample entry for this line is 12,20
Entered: 11,53
